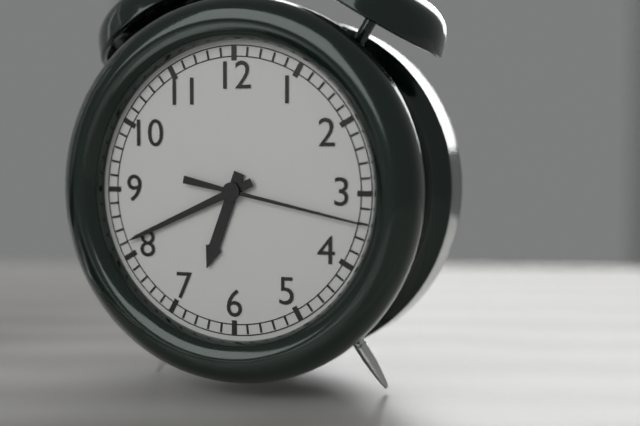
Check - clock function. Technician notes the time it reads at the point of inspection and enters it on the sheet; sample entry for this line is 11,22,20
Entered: 6,41,17
